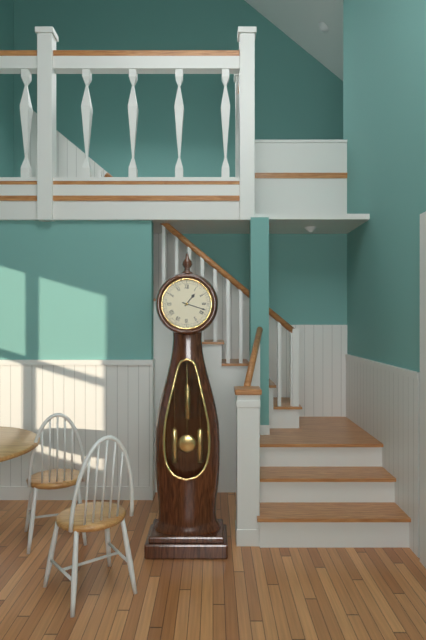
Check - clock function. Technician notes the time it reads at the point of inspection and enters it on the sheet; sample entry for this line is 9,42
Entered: 1,18
